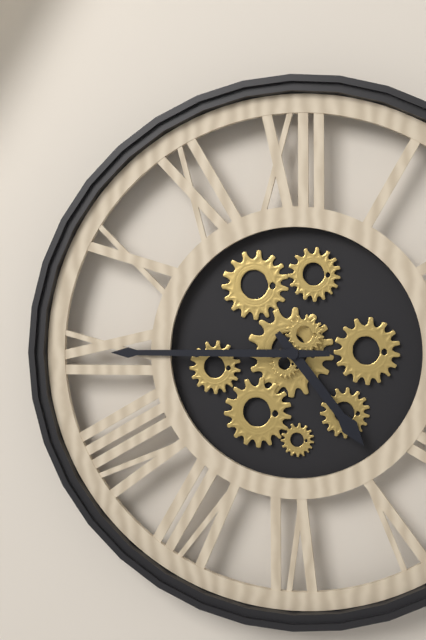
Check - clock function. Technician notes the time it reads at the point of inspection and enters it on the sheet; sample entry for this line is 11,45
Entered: 4,45
